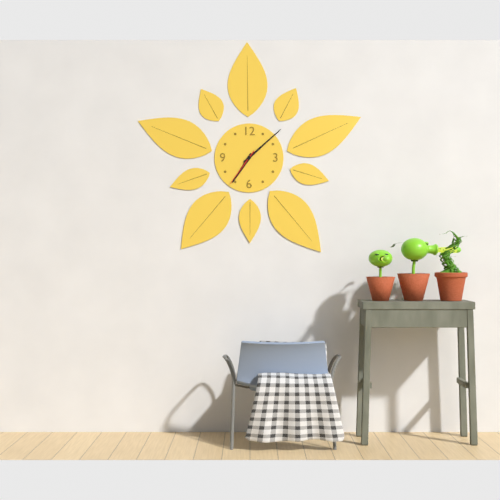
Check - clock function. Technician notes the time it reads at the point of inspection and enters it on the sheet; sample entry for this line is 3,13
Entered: 7,08
